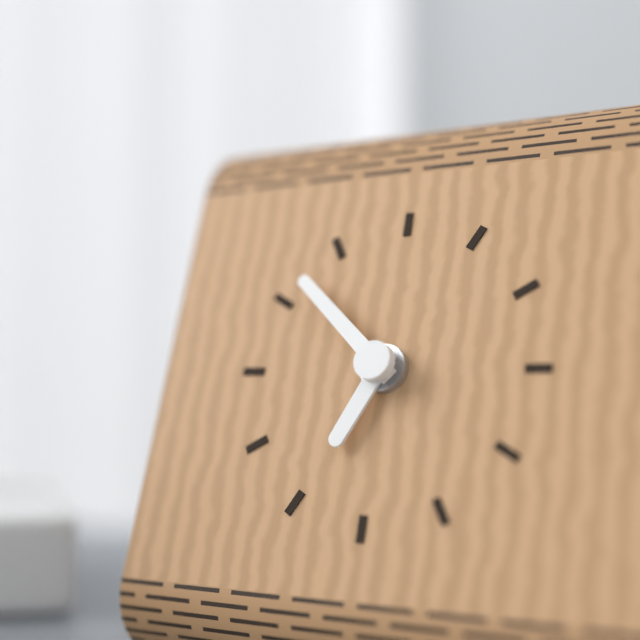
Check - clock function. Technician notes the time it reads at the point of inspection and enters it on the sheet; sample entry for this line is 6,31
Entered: 6,52
